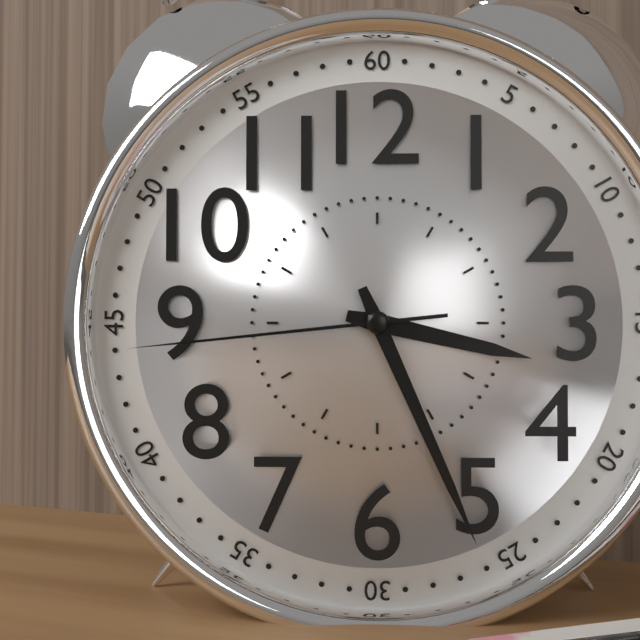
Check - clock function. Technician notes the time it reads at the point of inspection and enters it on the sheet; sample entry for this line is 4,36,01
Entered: 3,26,44
